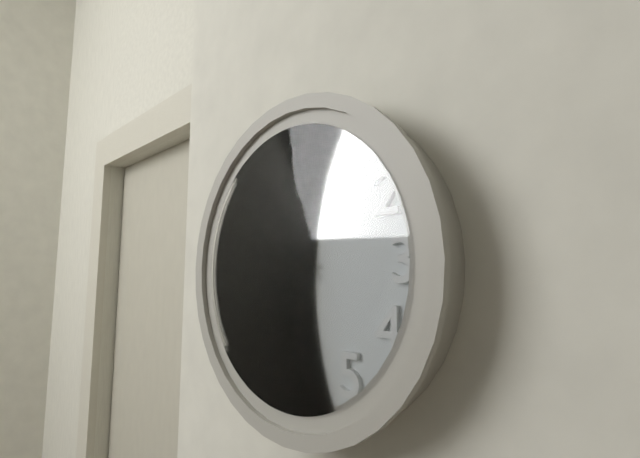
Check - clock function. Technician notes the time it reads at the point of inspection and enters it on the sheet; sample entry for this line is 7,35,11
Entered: 8,51,02
